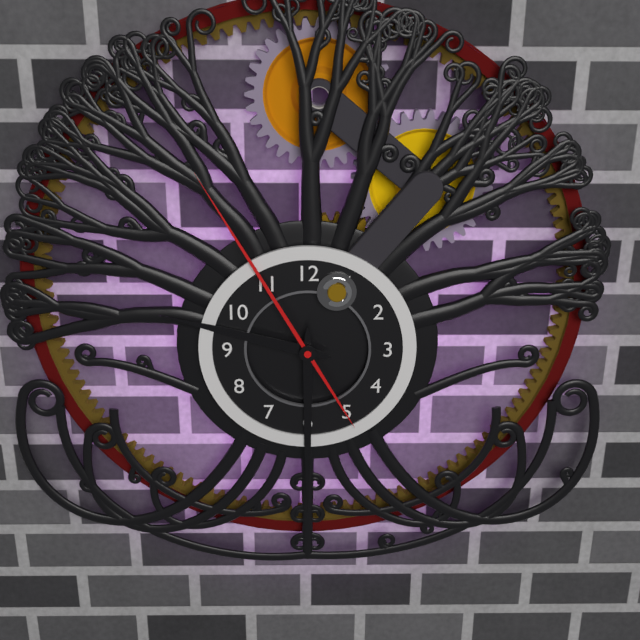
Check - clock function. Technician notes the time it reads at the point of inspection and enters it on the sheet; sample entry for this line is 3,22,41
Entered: 9,30,55
